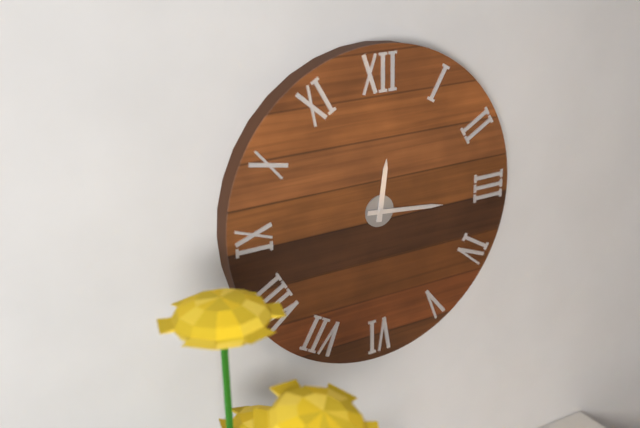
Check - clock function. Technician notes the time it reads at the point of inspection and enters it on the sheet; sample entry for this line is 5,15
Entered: 12,16
